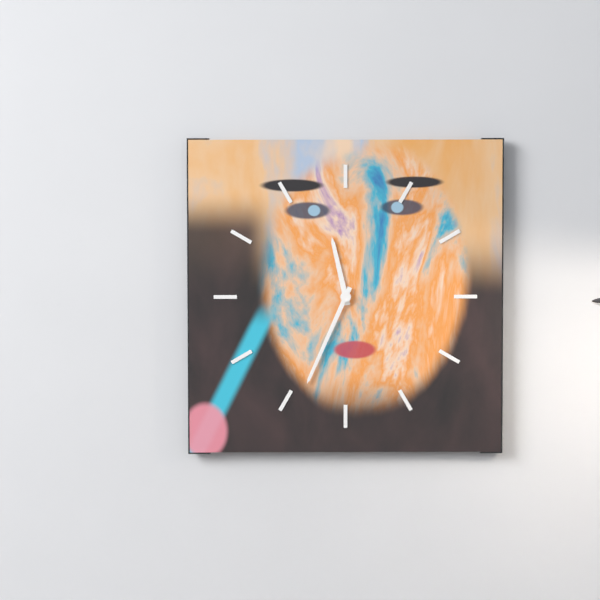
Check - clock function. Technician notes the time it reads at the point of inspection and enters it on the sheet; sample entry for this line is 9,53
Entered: 11,34
